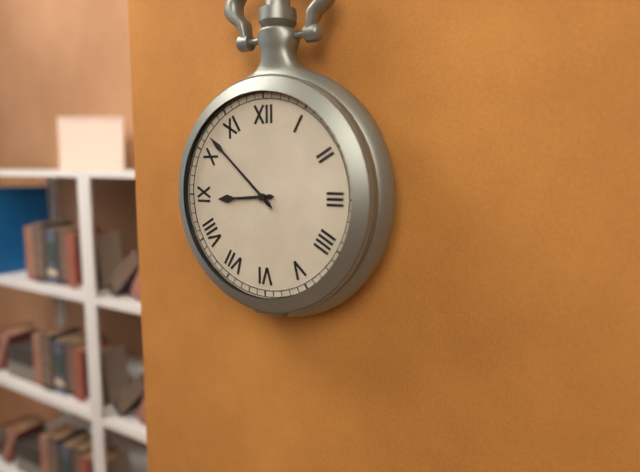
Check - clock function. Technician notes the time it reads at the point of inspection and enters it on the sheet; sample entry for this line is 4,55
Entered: 8,52
